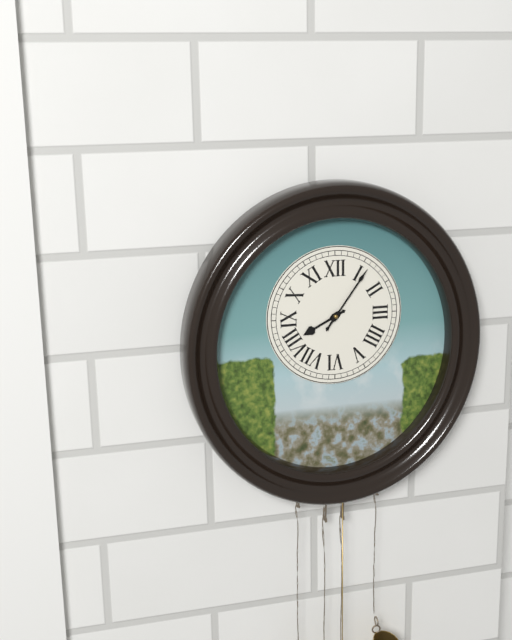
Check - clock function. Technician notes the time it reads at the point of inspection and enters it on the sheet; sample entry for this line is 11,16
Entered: 8,06
